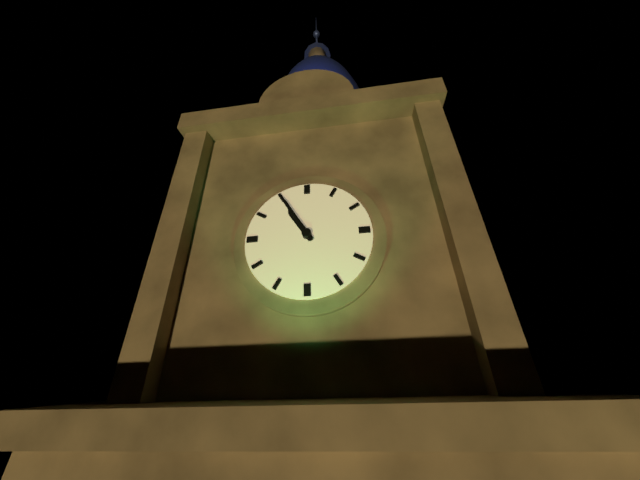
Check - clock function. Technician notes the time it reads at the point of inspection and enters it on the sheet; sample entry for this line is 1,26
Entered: 10,55
